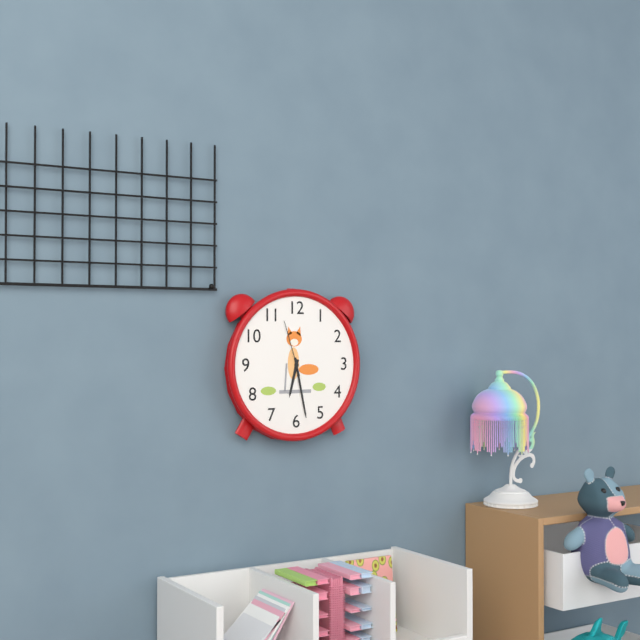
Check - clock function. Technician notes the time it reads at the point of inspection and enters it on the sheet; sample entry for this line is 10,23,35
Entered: 6,28,57
